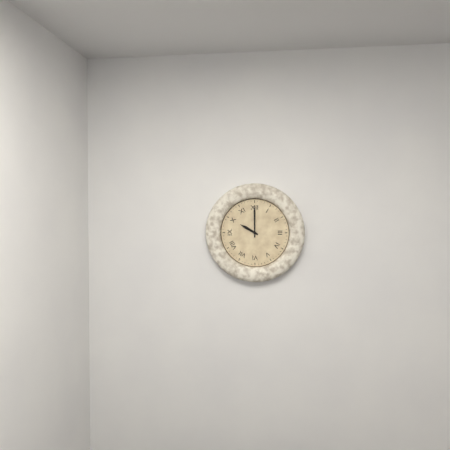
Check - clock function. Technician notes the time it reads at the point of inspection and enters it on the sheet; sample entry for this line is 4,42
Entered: 10,00
